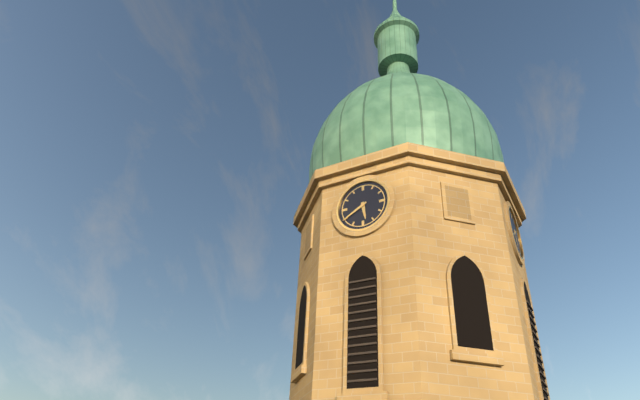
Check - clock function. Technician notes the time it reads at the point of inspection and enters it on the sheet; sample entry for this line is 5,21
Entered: 5,40
